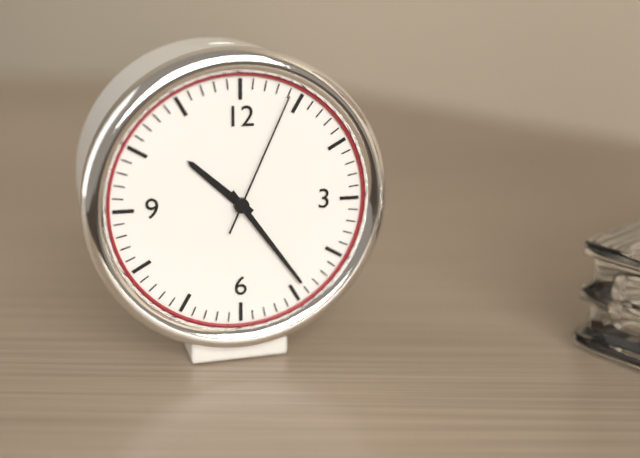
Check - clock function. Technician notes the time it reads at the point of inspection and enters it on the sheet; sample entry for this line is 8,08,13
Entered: 10,24,04
